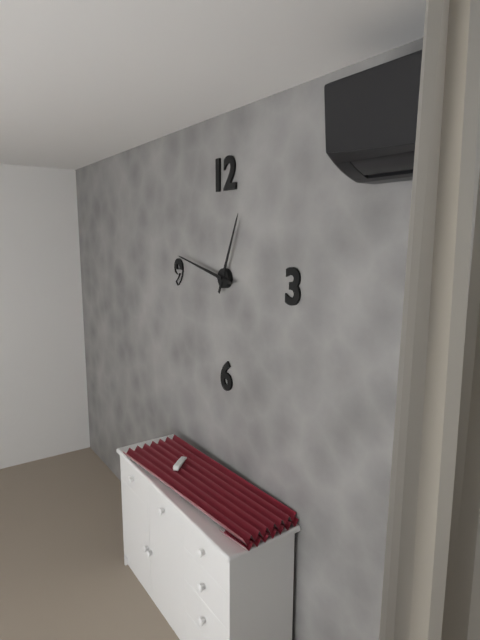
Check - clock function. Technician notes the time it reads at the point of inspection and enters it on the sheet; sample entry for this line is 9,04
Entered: 12,47
